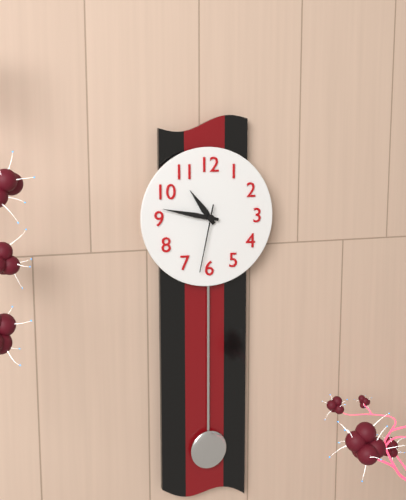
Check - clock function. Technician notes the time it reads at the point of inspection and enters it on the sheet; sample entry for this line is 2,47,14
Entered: 10,47,32
